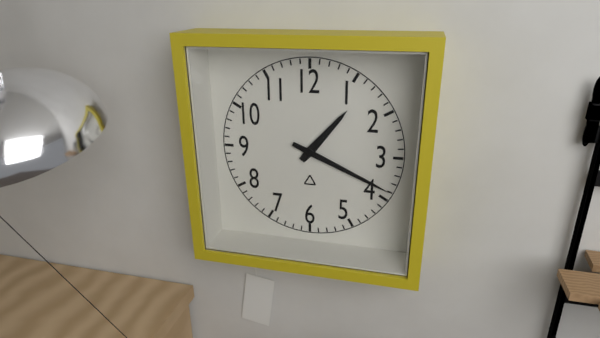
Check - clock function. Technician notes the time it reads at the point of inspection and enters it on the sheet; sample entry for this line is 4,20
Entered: 1,19
